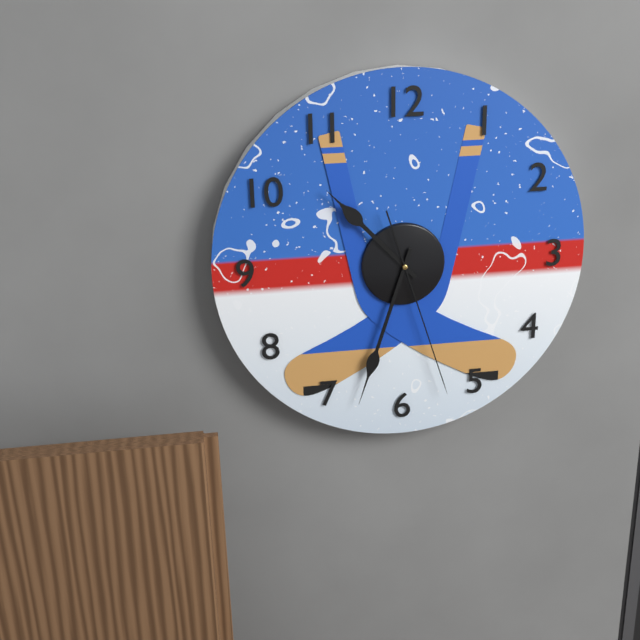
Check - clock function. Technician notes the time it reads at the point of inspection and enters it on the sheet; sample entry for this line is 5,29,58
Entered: 10,33,27
